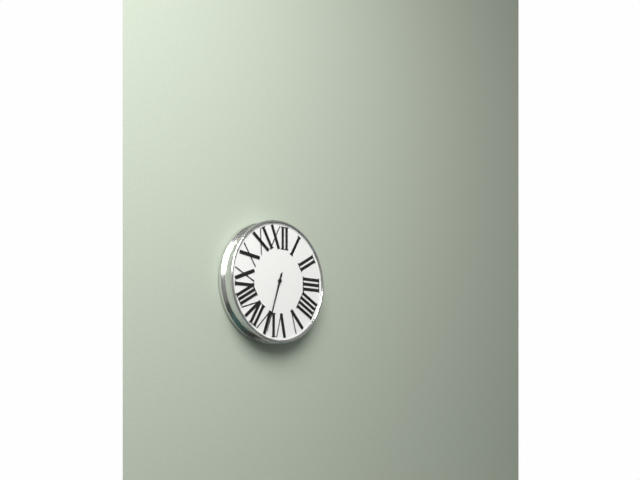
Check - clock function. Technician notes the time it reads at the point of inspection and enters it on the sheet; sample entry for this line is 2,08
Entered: 6,33
